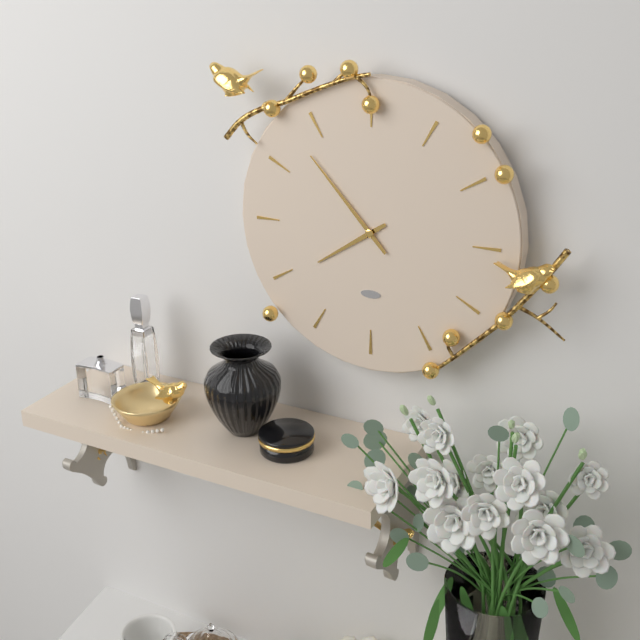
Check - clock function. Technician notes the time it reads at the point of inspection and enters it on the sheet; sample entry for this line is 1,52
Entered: 7,53
